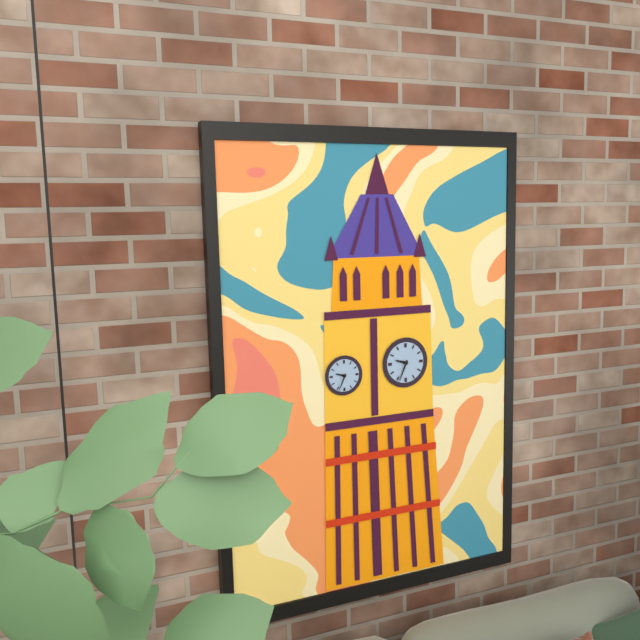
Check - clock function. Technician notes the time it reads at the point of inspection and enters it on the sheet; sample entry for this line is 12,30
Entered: 9,34
